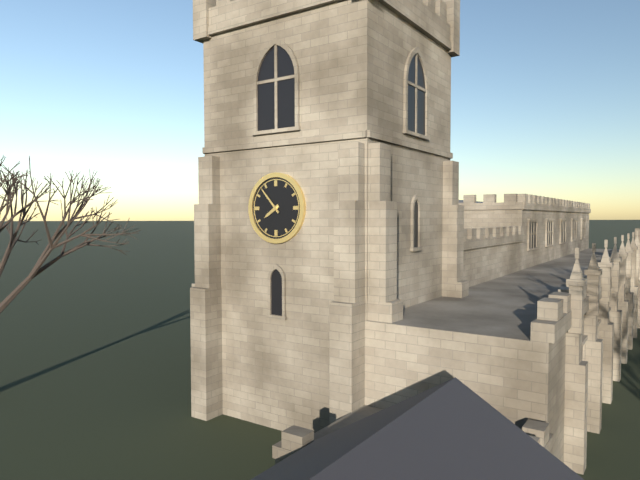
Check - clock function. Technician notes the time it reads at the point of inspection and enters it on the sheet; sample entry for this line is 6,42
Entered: 7,53
